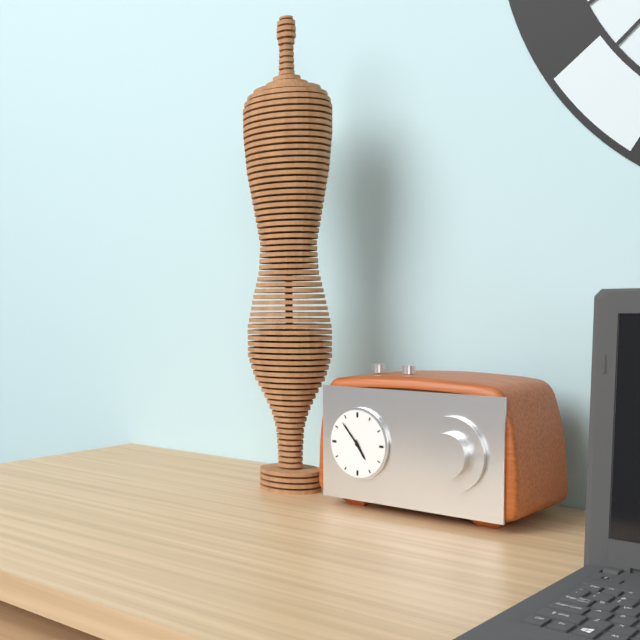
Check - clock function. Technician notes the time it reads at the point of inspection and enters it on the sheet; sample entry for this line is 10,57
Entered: 4,53
